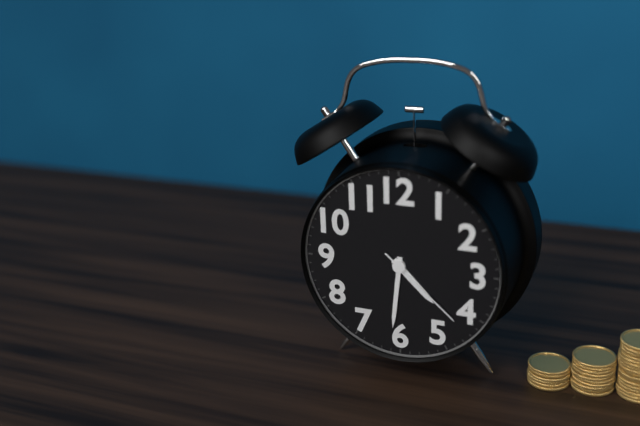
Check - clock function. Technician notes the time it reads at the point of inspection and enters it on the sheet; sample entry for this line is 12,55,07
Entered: 4,31,22
